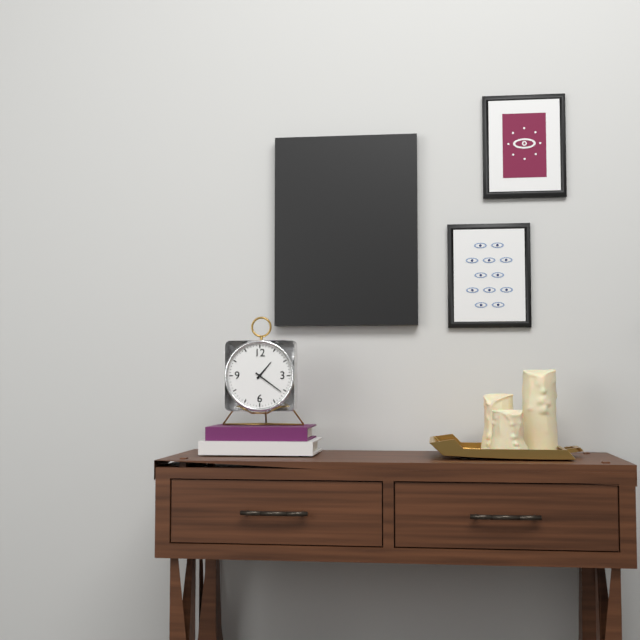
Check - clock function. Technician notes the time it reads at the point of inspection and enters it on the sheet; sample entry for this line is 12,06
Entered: 1,21
